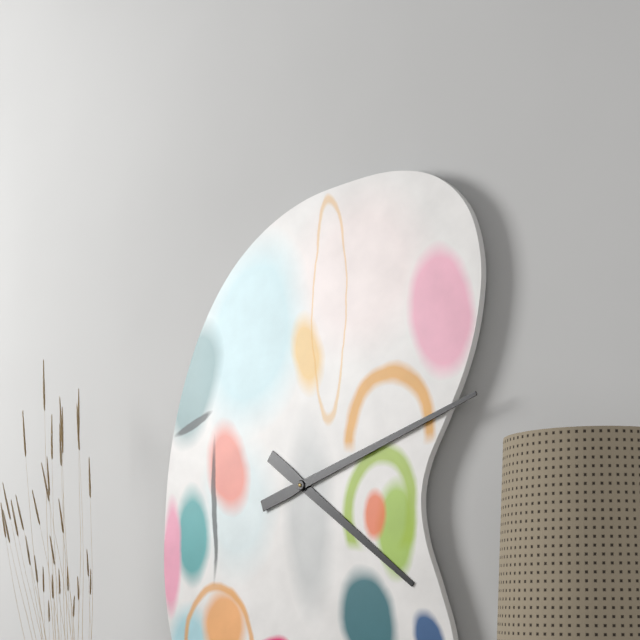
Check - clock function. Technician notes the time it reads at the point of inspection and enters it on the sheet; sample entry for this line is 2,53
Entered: 4,12
